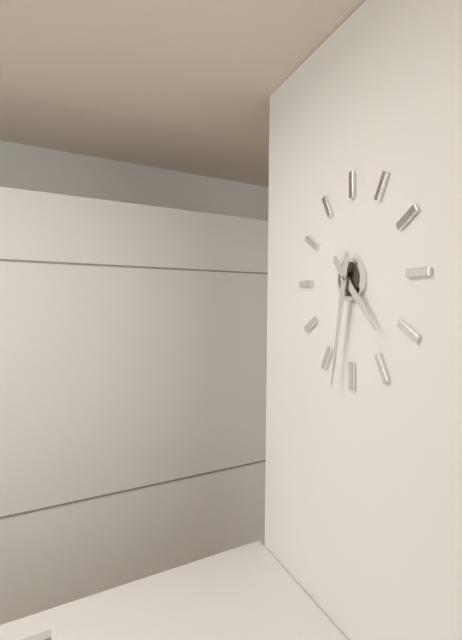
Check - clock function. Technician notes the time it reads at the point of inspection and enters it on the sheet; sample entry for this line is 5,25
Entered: 4,32
